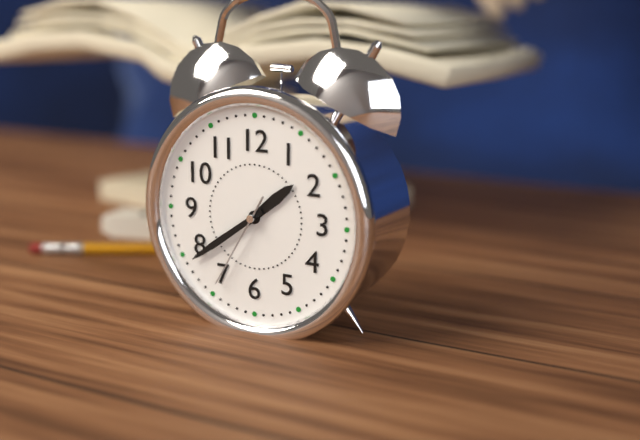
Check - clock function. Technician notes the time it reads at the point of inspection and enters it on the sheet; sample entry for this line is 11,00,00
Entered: 1,39,35
